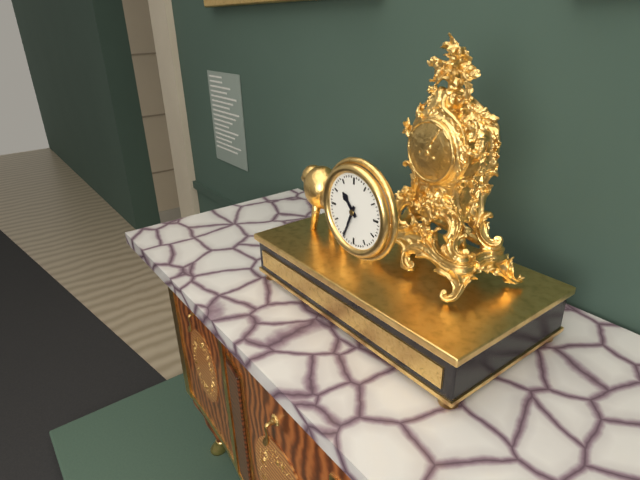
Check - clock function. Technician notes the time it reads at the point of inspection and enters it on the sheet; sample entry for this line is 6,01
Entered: 10,34
